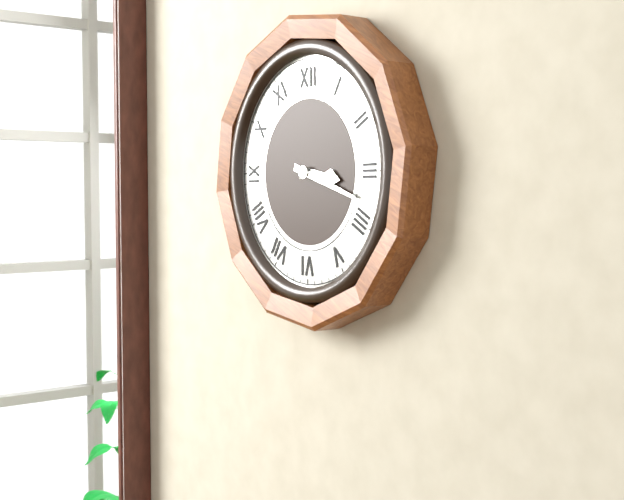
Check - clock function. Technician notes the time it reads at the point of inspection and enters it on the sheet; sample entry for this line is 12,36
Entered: 3,18
